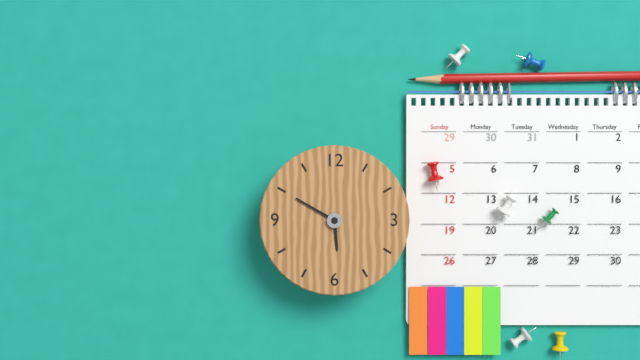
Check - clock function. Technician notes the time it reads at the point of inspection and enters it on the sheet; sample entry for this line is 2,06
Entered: 5,50
